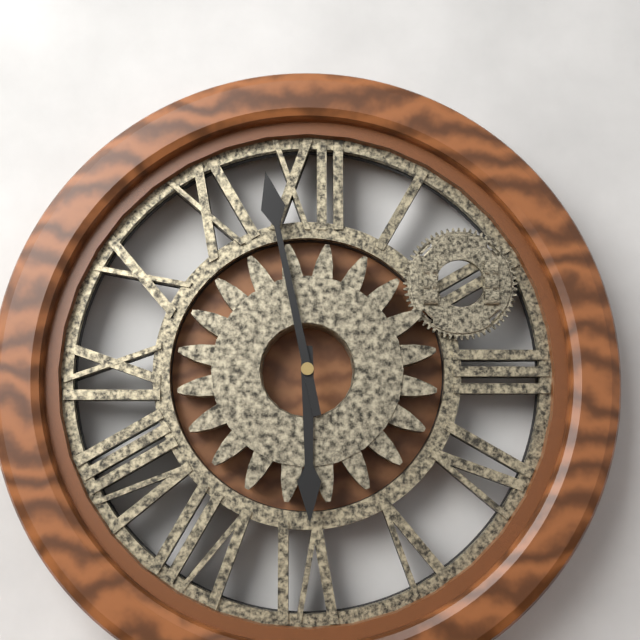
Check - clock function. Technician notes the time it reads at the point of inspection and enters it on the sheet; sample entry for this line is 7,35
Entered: 5,58
